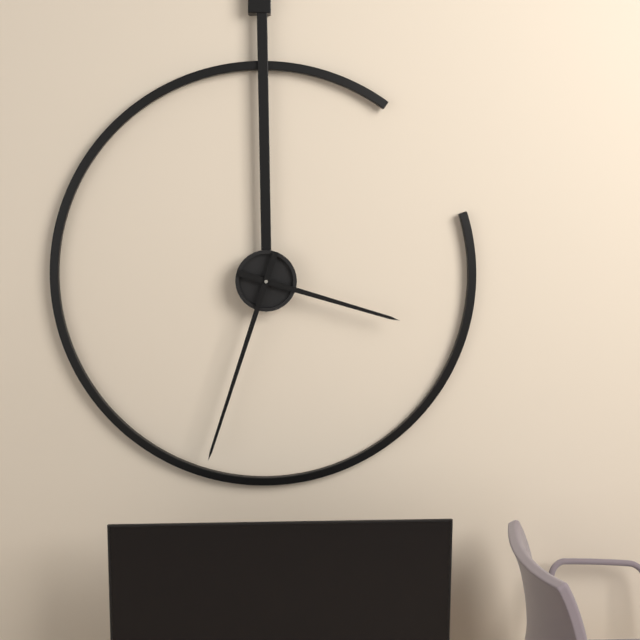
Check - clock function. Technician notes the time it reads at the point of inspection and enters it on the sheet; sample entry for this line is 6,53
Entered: 3,33
